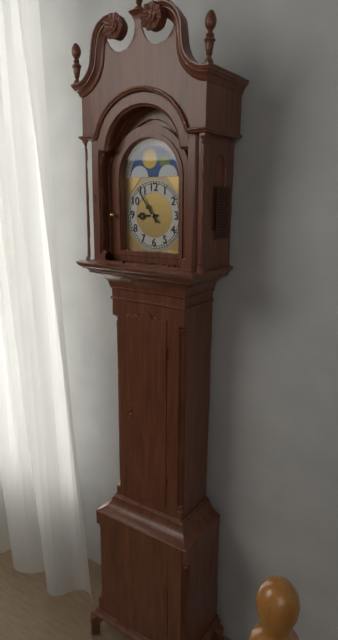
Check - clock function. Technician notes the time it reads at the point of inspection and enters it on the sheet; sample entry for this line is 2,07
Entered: 8,54
